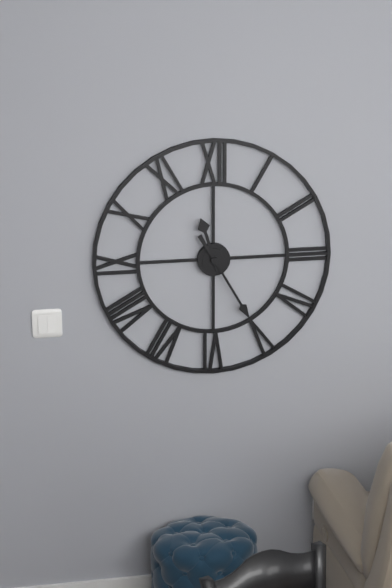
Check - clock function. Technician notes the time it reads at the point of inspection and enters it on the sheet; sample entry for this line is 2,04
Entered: 11,25
